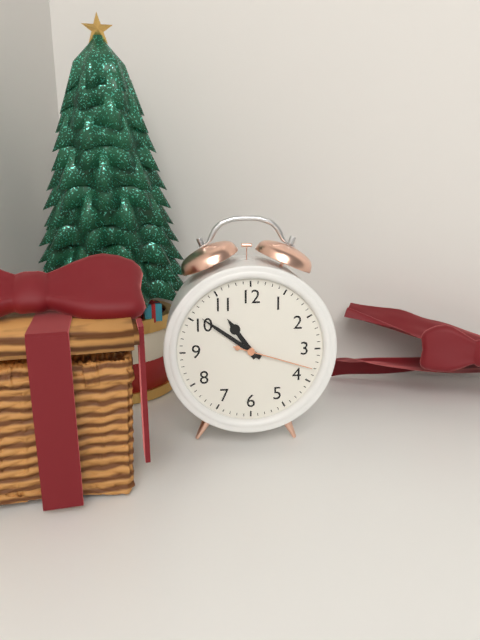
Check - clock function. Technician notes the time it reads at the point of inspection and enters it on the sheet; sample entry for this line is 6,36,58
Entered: 10,51,18
